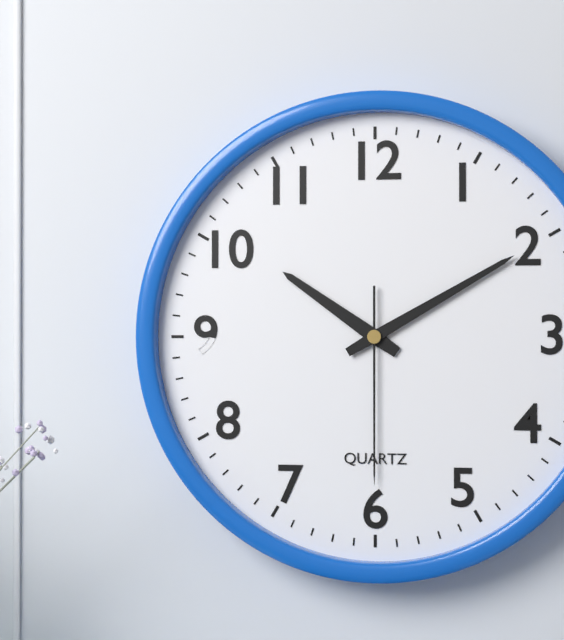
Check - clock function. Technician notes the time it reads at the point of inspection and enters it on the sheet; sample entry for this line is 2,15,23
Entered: 10,10,30
